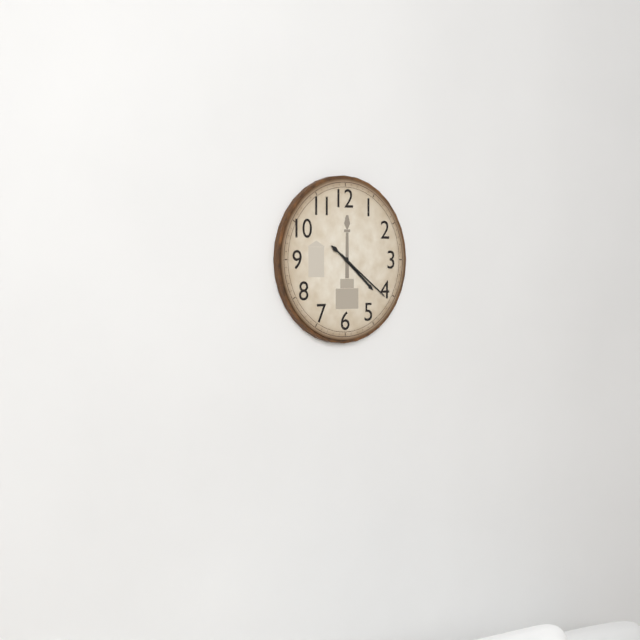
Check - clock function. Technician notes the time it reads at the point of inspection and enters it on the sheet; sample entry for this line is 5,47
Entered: 4,21
